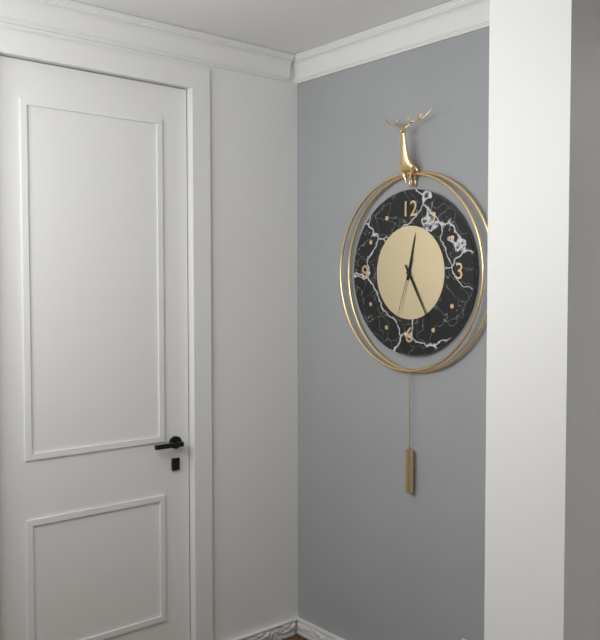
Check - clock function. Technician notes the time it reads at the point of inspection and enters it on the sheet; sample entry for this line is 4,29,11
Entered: 12,25,33
